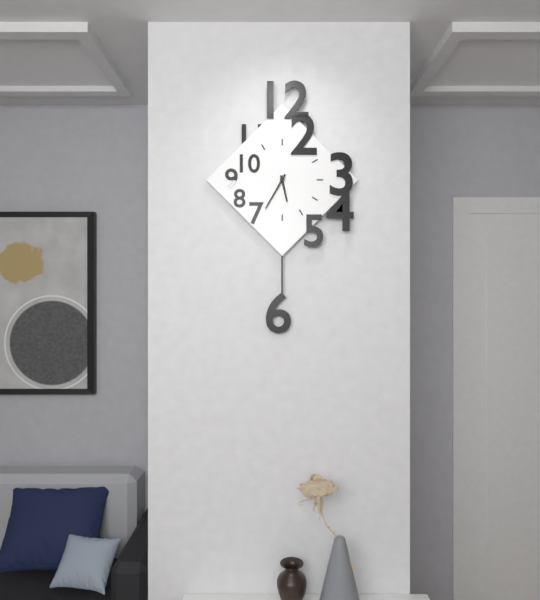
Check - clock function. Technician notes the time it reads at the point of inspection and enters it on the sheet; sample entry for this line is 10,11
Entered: 5,35
